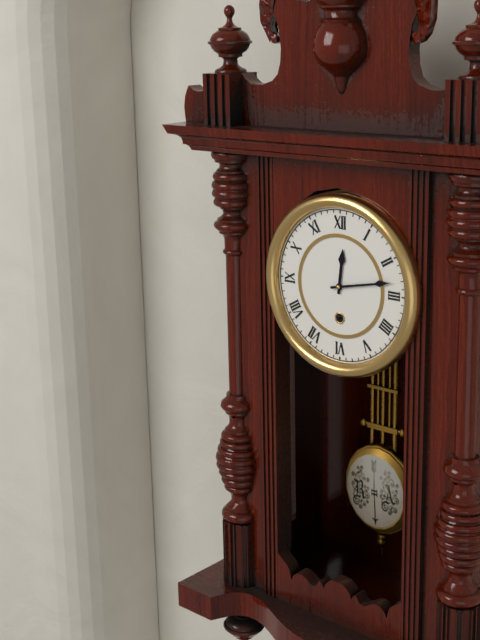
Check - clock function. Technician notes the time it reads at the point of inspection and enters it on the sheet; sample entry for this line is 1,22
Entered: 12,13
